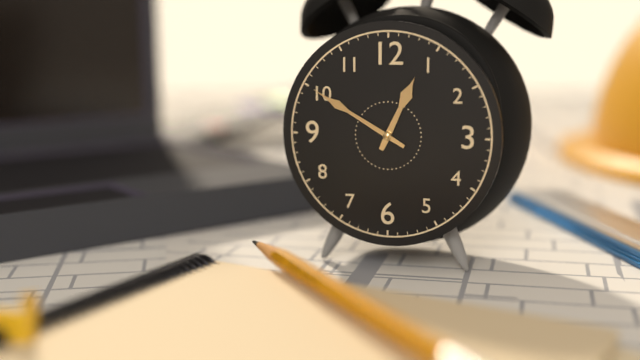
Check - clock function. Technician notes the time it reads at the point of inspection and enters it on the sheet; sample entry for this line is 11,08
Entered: 12,50
